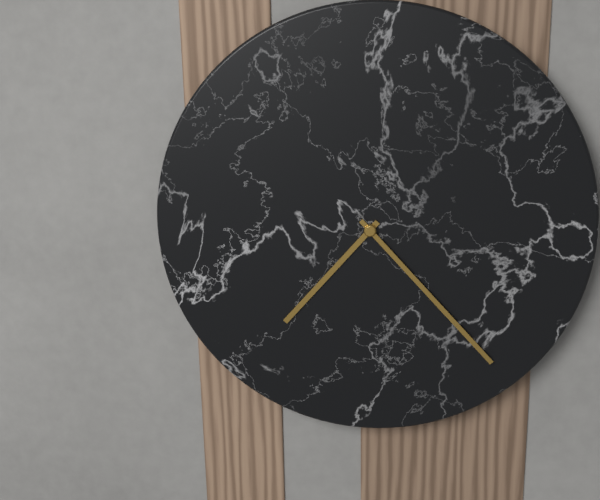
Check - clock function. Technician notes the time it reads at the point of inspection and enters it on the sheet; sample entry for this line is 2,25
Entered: 7,23
